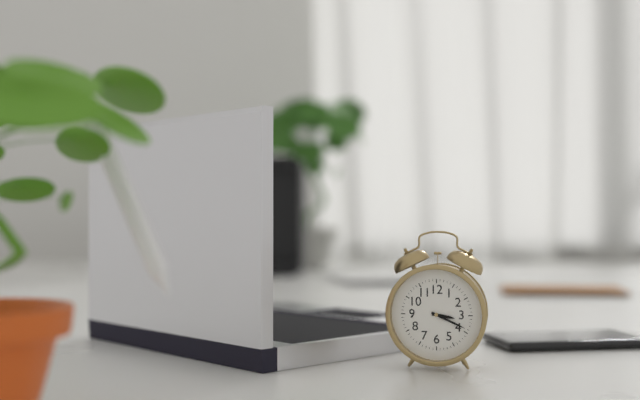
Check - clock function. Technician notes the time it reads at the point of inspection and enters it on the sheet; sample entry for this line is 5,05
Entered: 3,19
